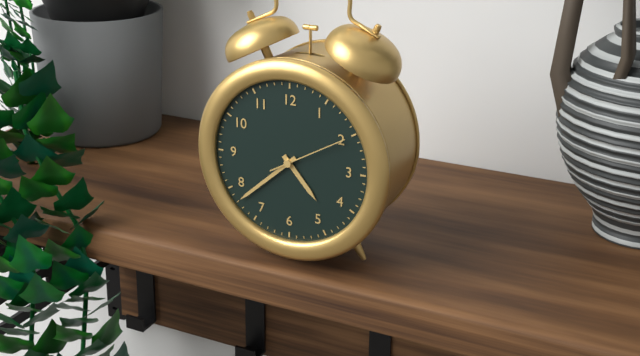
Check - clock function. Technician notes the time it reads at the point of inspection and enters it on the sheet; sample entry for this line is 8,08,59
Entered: 4,38,10
